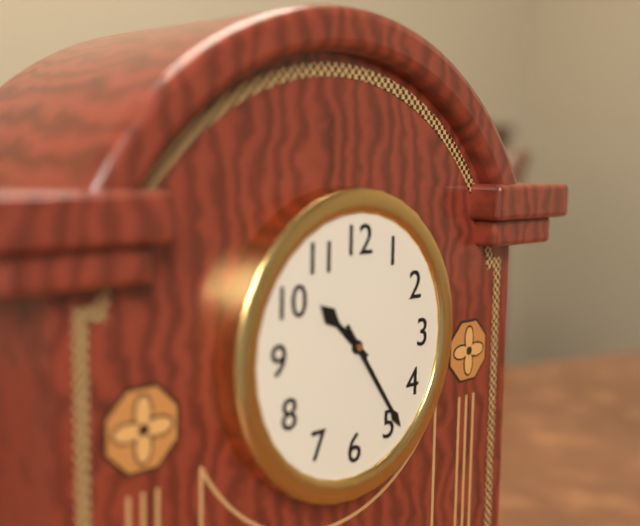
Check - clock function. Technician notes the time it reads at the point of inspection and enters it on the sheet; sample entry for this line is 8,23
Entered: 10,24
